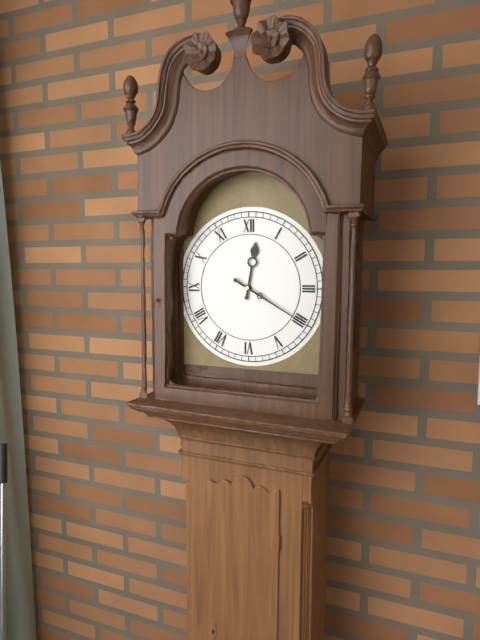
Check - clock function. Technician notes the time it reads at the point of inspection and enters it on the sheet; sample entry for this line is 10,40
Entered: 12,20
